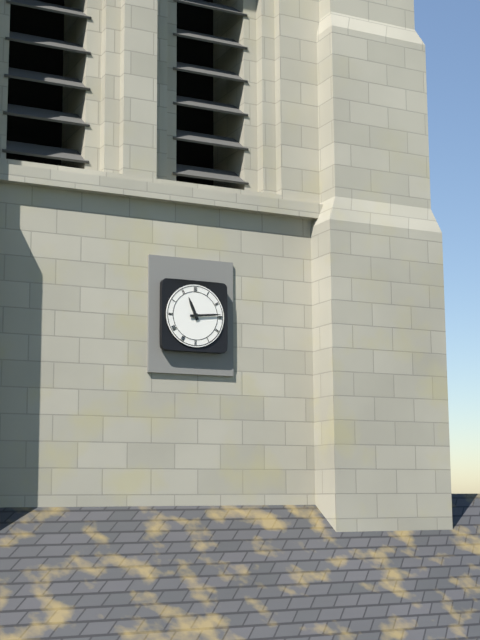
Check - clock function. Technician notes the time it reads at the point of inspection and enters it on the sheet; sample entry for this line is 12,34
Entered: 11,14
